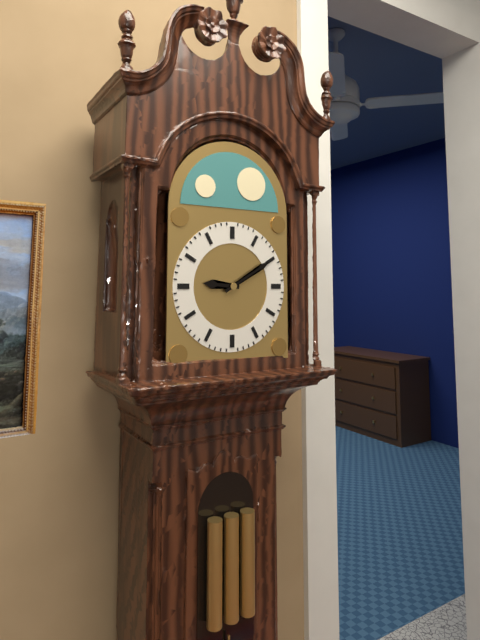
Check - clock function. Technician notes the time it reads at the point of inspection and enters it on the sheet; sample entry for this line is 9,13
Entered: 9,10
